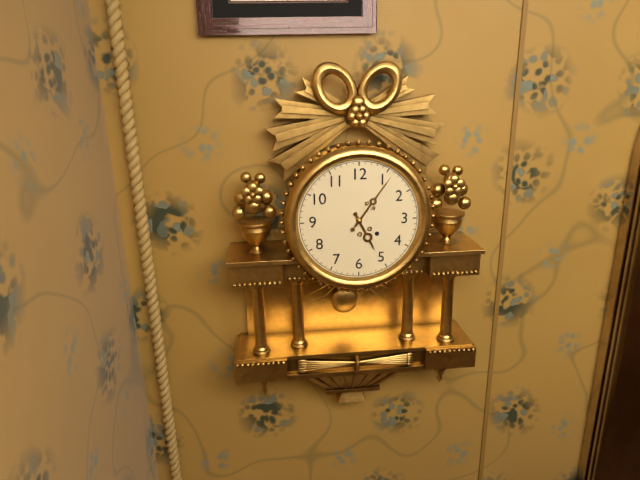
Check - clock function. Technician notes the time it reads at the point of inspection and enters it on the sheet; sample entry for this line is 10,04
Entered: 5,06
